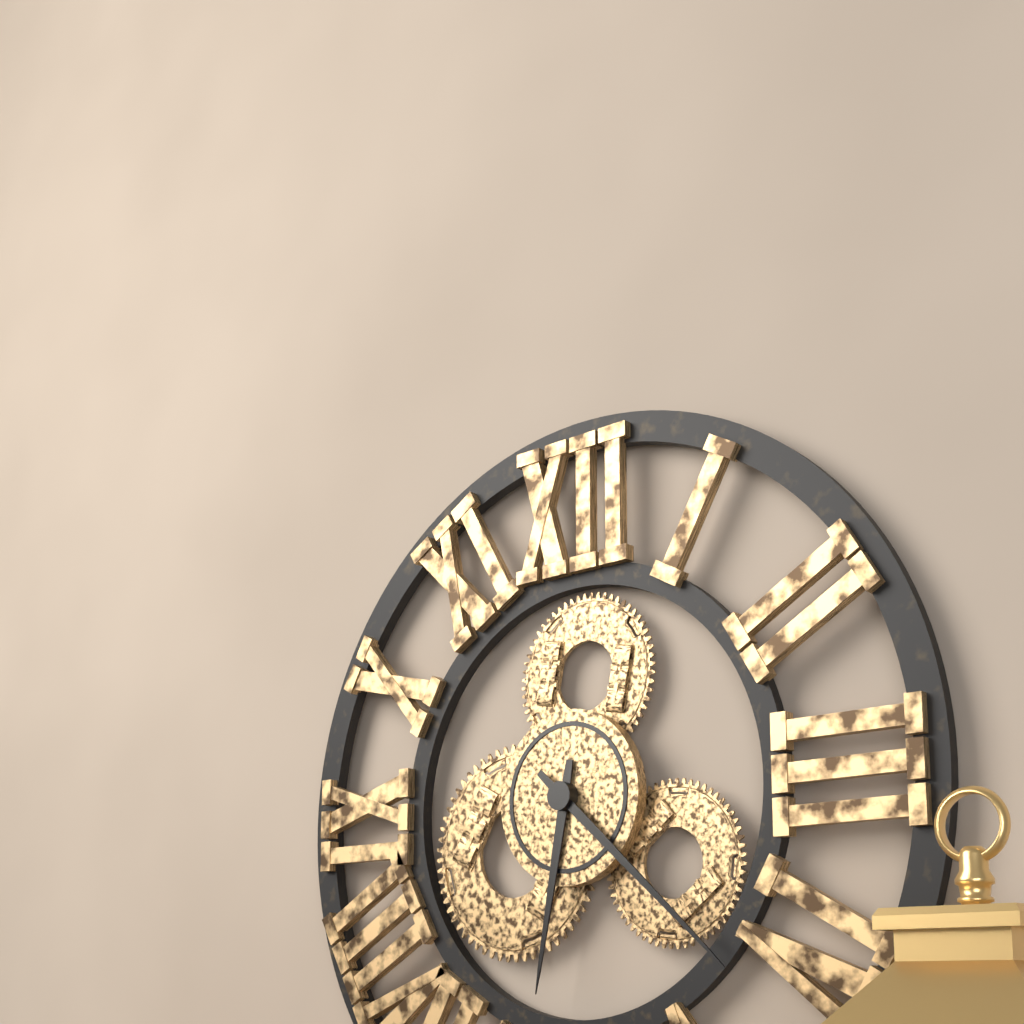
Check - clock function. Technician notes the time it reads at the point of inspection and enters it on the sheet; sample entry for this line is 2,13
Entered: 6,22
